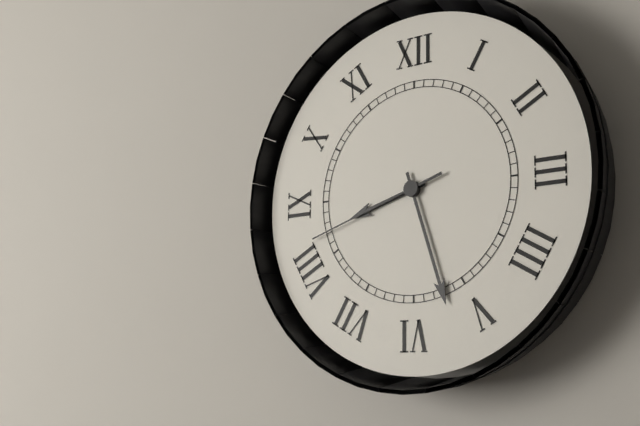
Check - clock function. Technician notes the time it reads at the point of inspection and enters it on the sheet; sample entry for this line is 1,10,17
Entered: 8,27,42
